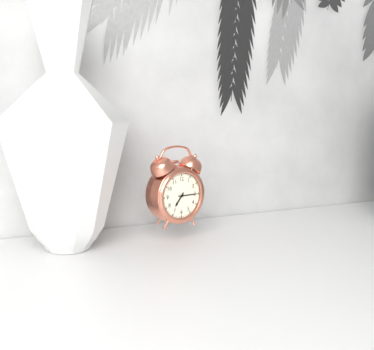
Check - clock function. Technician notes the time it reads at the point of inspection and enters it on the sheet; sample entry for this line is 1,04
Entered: 7,15
